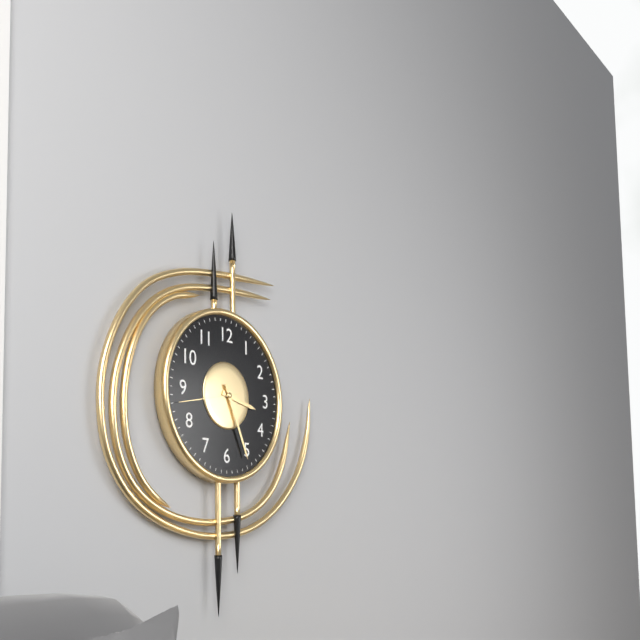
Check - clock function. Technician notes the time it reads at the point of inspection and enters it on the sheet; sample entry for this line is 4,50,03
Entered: 3,26,43
